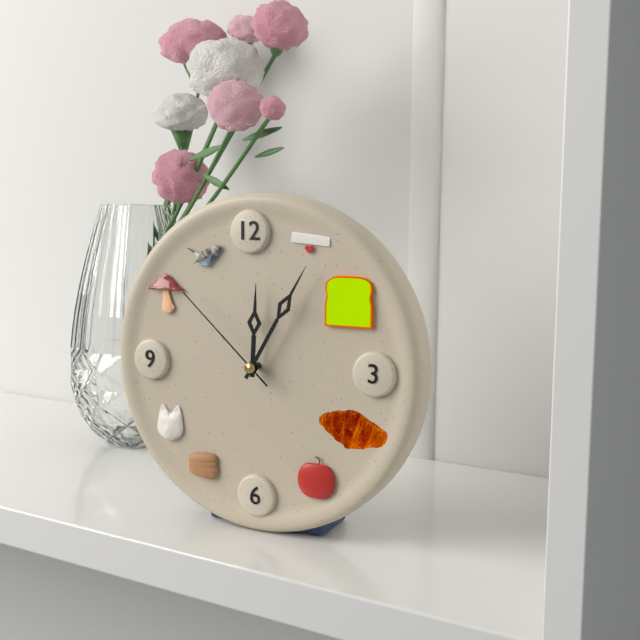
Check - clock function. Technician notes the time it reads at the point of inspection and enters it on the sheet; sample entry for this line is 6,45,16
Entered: 12,05,52
